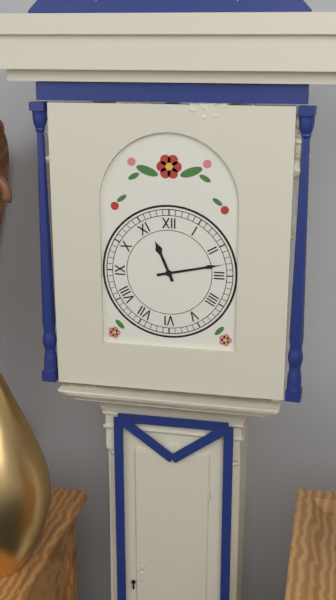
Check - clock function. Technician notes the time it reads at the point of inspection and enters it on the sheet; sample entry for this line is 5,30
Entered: 11,13
